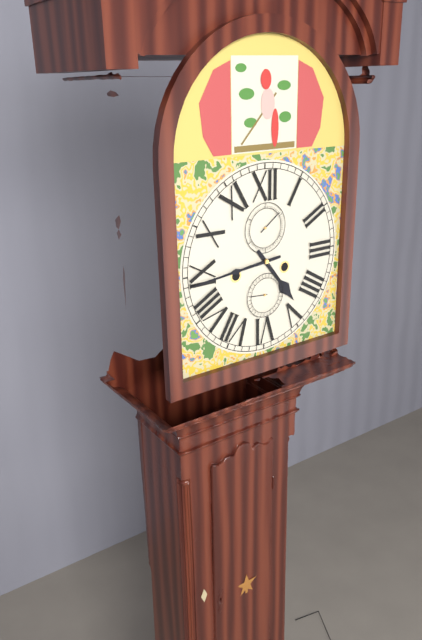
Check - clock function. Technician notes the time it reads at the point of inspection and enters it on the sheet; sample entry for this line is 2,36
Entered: 4,44
